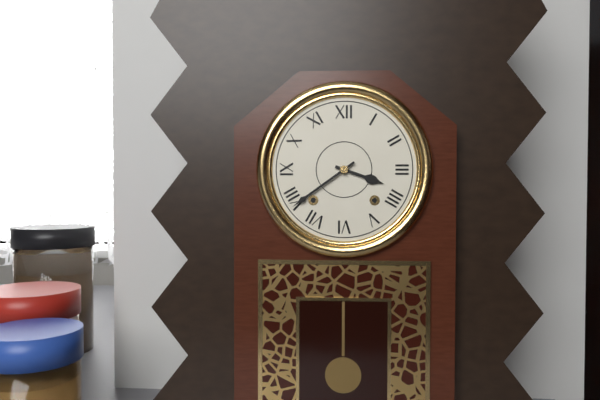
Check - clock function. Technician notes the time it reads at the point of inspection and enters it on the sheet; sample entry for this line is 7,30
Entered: 3,39
